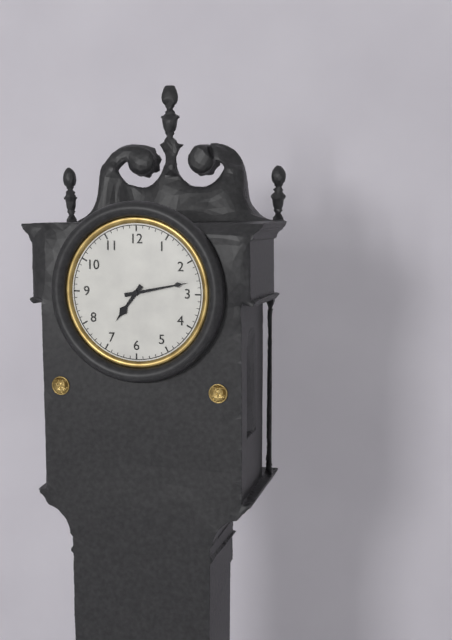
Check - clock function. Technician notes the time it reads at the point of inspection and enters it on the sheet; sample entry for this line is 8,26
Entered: 7,13
